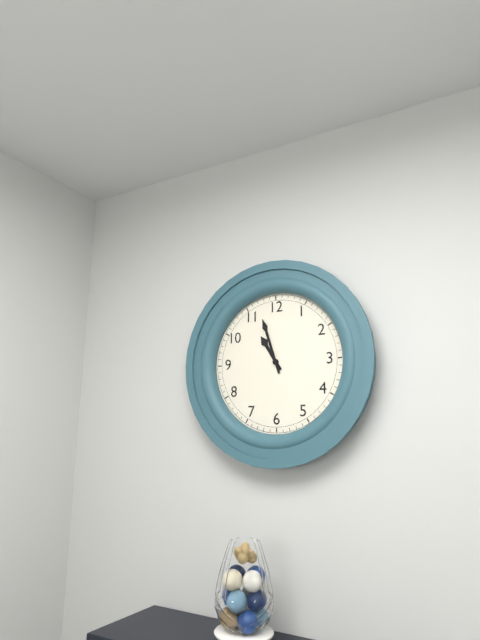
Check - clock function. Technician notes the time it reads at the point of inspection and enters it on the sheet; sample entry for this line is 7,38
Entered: 10,57
